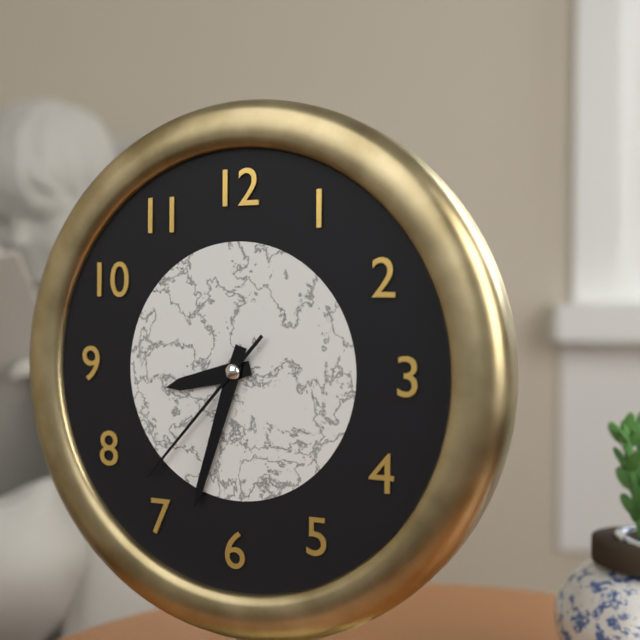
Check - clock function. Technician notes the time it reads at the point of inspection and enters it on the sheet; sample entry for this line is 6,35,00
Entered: 8,33,37
